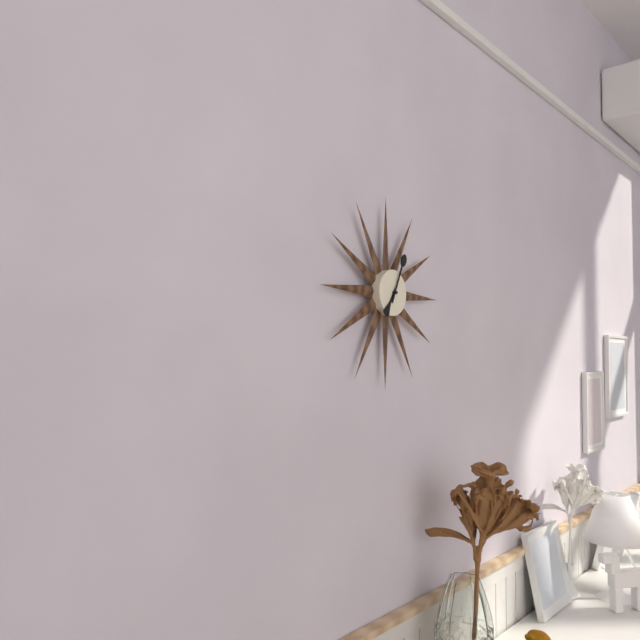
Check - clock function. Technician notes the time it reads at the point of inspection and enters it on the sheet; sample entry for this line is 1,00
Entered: 7,04
